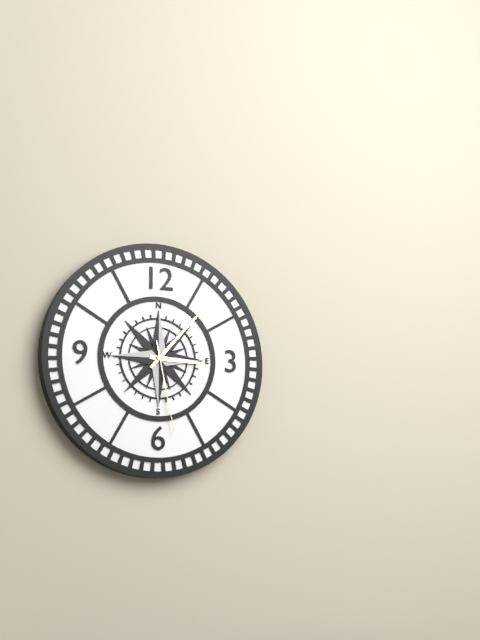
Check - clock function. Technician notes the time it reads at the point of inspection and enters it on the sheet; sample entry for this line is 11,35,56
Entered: 3,07,28
